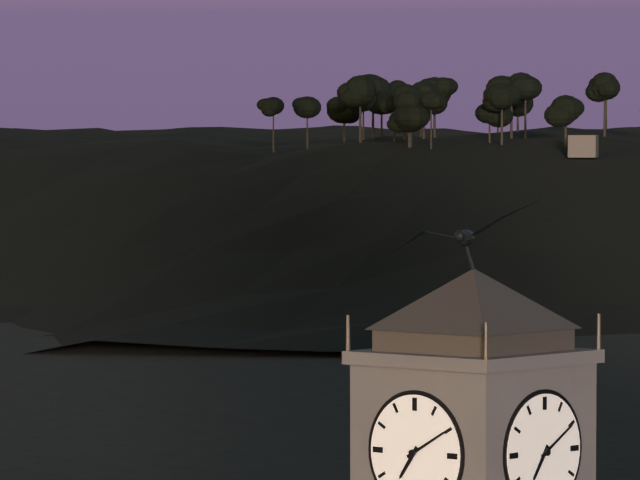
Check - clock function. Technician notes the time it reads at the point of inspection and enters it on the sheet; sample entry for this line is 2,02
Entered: 7,10
